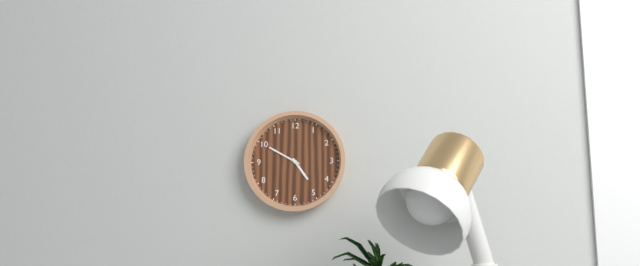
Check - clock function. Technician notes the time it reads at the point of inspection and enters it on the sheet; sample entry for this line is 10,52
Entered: 4,50
